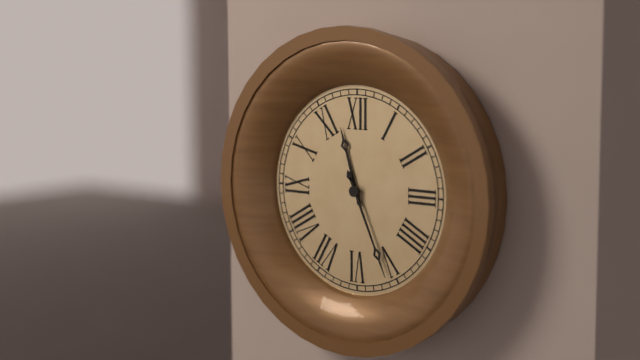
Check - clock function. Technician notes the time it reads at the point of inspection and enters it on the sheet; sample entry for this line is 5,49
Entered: 11,26
